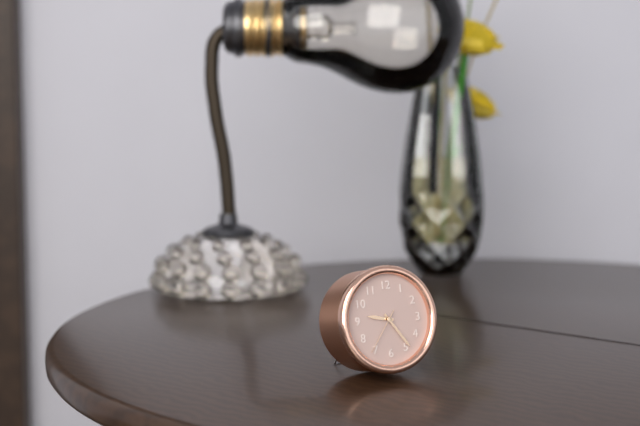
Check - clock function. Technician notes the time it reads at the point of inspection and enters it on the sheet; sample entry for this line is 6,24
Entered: 9,24
